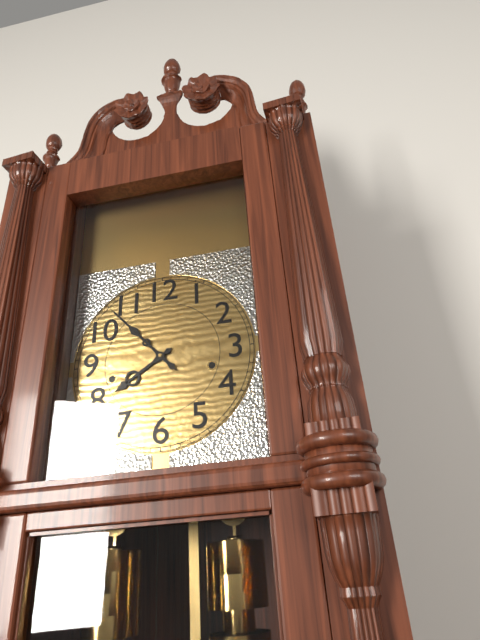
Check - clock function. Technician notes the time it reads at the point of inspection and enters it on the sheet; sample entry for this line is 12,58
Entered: 7,53
